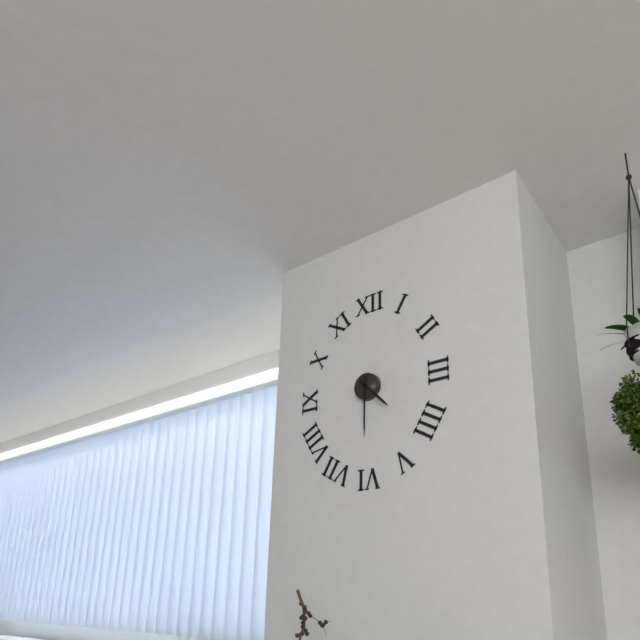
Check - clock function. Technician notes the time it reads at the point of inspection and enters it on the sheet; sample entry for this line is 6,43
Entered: 4,30
